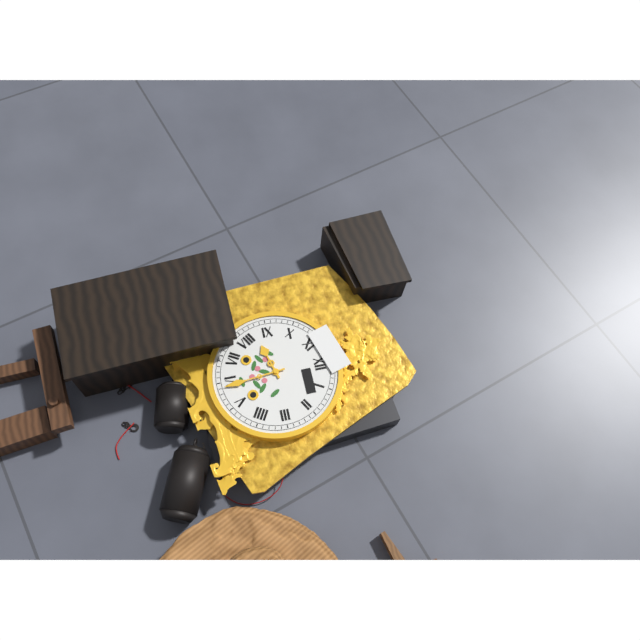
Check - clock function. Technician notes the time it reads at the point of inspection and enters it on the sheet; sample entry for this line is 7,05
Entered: 8,29
